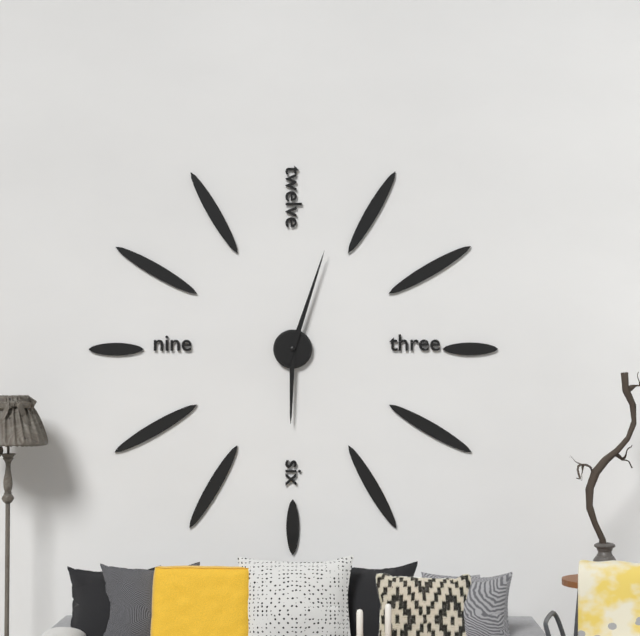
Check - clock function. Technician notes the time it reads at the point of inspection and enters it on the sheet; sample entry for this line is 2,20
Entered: 6,03
